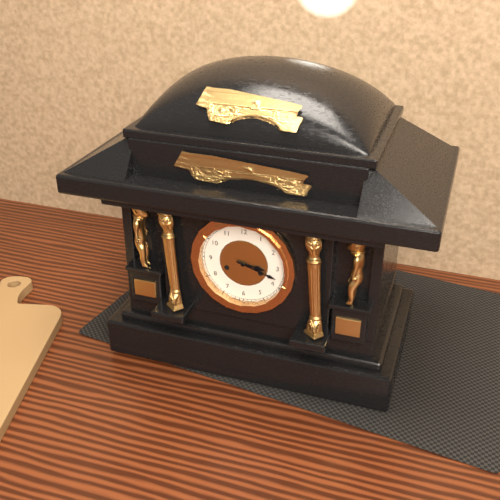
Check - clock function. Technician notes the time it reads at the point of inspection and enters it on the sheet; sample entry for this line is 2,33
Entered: 3,18
